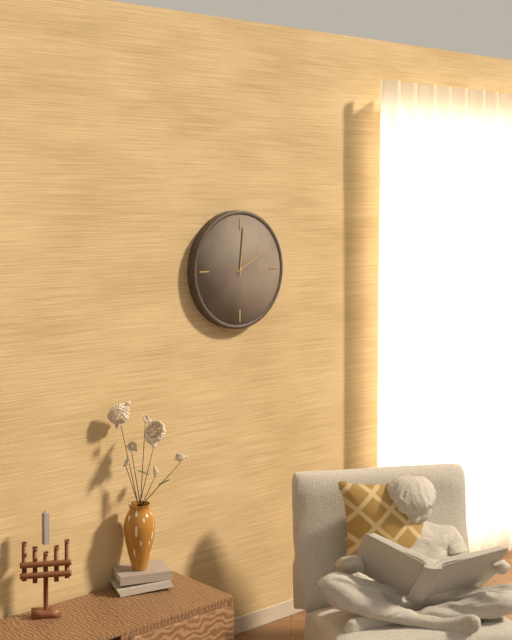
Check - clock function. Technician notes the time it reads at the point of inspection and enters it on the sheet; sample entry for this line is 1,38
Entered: 2,01
